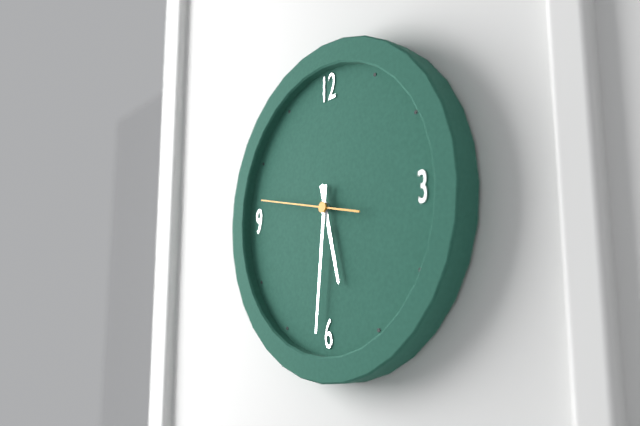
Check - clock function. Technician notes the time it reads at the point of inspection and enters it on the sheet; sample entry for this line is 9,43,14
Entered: 5,31,47
